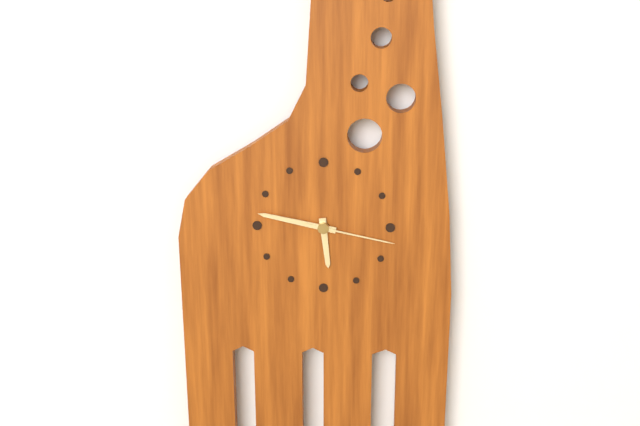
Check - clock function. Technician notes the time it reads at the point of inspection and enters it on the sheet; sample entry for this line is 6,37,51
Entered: 5,47,17
